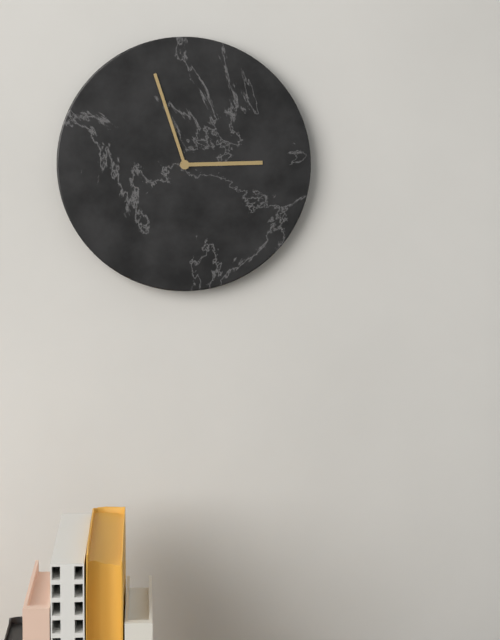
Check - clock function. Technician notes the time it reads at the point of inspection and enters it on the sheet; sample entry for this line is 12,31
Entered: 2,57
